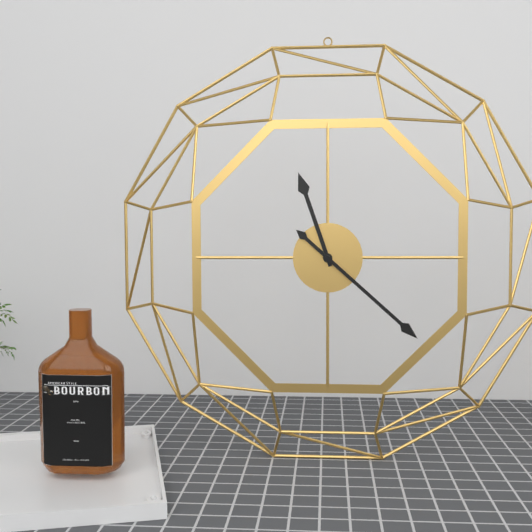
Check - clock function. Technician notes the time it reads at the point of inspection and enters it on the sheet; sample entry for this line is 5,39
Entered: 11,22
